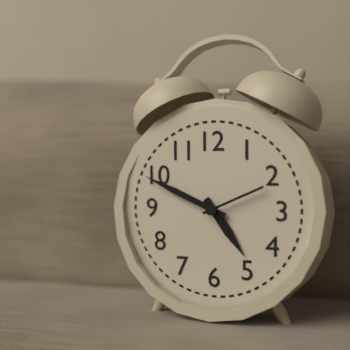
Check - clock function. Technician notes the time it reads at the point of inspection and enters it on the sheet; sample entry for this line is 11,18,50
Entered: 4,49,11
